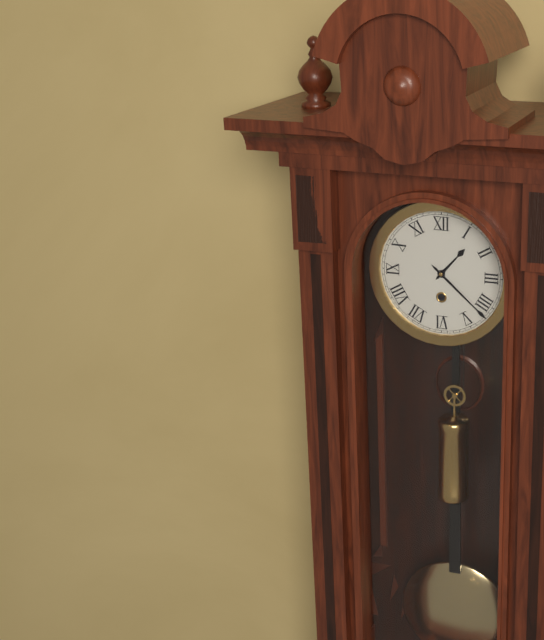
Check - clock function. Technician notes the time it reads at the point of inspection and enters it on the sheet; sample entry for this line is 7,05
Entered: 1,22
